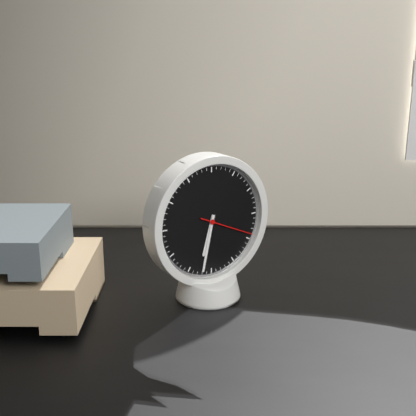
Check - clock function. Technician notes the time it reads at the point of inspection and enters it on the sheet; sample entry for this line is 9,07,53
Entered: 6,32,19
